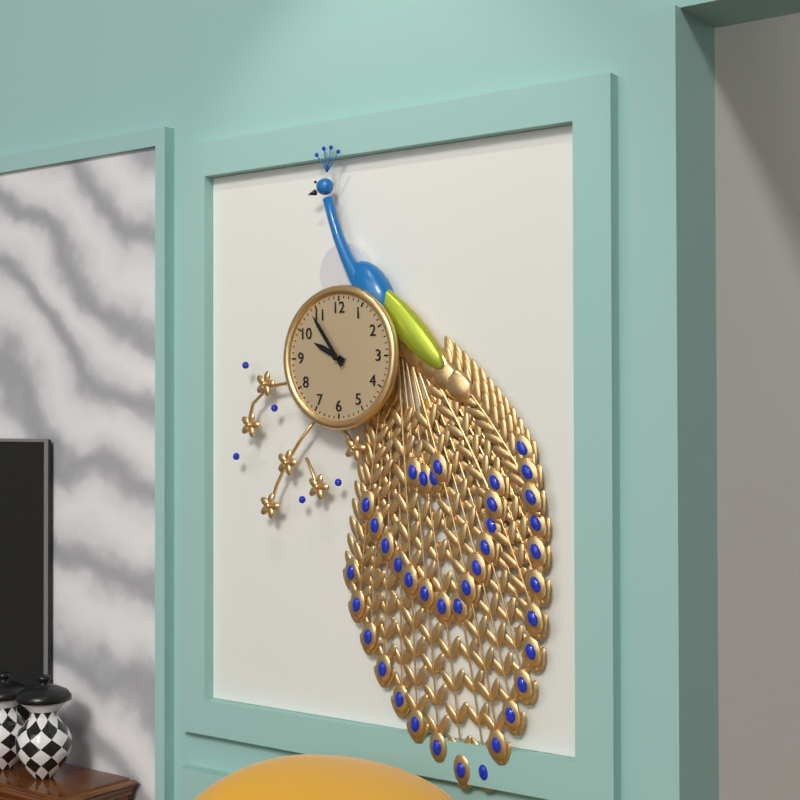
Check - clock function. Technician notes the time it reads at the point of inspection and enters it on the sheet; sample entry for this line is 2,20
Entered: 9,54
